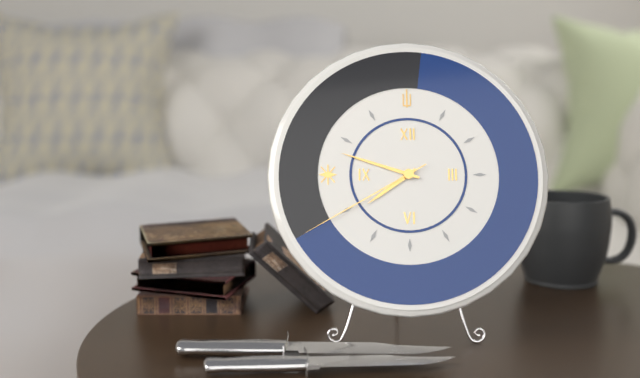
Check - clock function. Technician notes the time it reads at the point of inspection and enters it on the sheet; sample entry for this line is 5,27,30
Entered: 7,48,40
